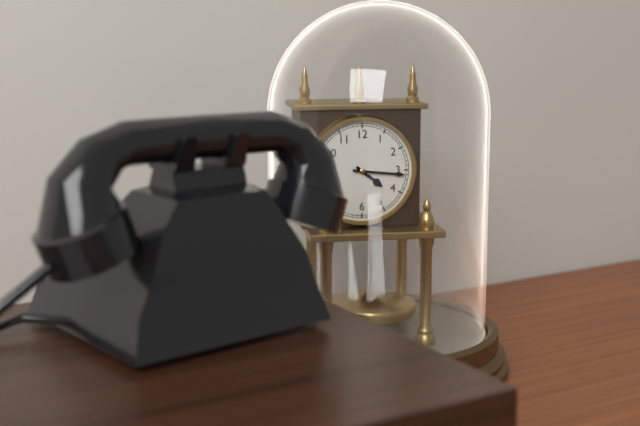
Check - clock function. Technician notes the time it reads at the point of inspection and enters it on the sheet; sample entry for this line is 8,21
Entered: 4,16
